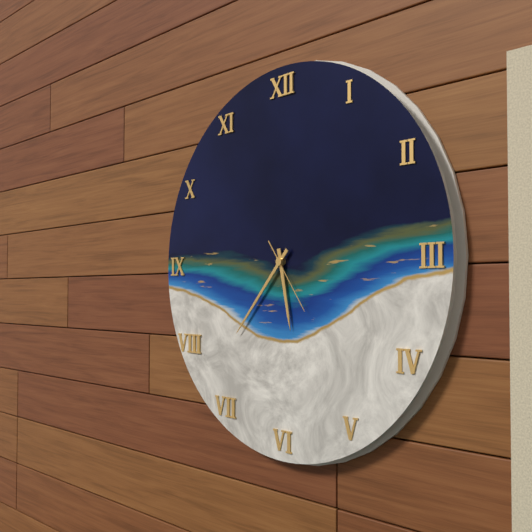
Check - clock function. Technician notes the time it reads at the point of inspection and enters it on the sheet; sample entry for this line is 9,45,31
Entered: 5,37,24
